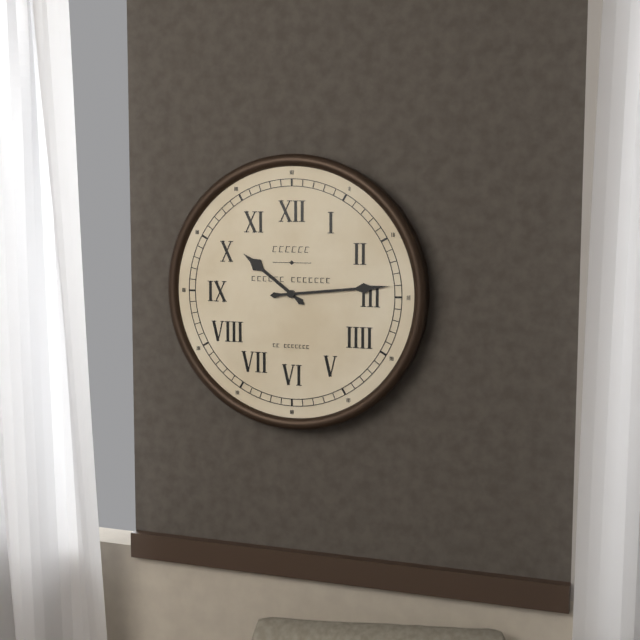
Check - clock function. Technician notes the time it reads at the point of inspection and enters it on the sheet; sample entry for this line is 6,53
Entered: 10,14
